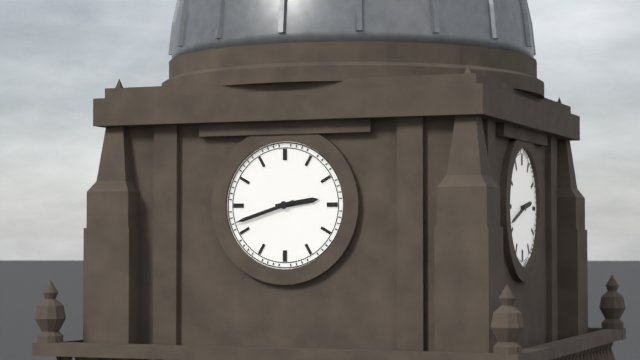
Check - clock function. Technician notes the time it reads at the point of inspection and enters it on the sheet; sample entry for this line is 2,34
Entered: 2,42
